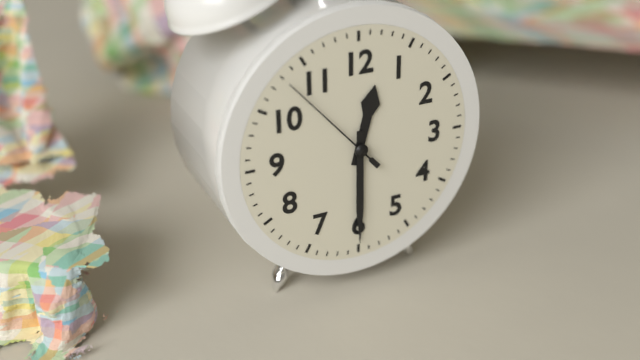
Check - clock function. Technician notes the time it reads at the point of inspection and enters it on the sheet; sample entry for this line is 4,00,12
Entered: 12,30,53
